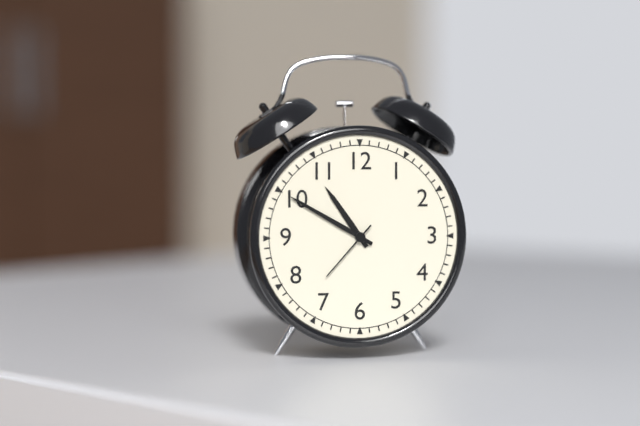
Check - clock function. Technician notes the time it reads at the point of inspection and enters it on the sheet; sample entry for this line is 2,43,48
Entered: 10,50,37
